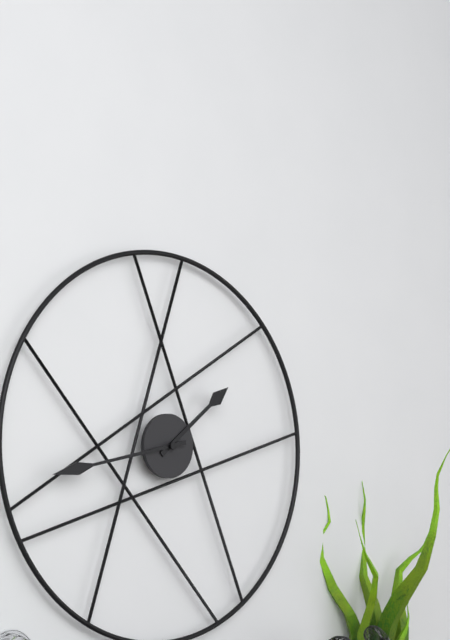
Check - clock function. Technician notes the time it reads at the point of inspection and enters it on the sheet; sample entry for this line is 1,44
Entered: 1,43
